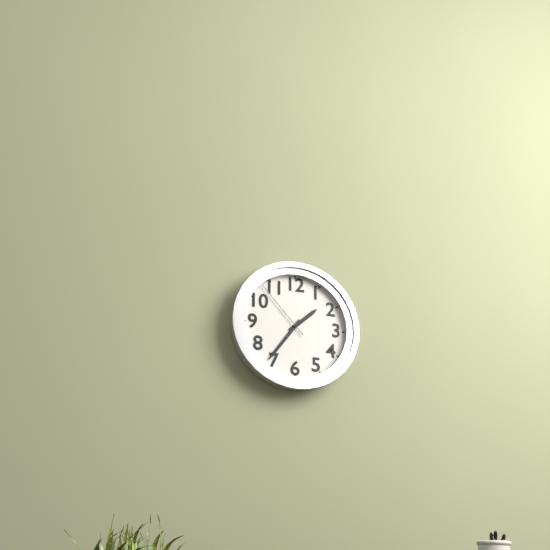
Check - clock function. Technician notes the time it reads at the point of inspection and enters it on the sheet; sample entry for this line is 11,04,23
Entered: 1,36,53
